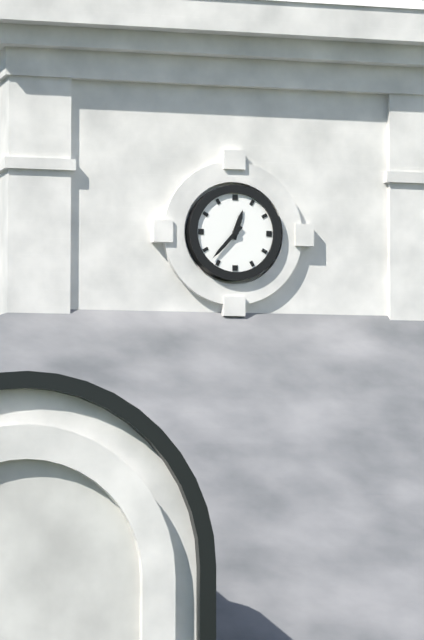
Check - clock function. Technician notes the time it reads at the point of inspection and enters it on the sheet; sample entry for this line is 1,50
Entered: 12,37
